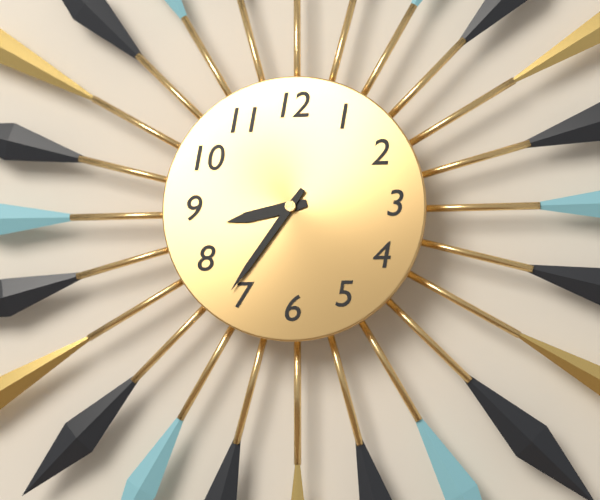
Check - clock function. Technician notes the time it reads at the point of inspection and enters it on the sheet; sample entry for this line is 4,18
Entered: 8,36
